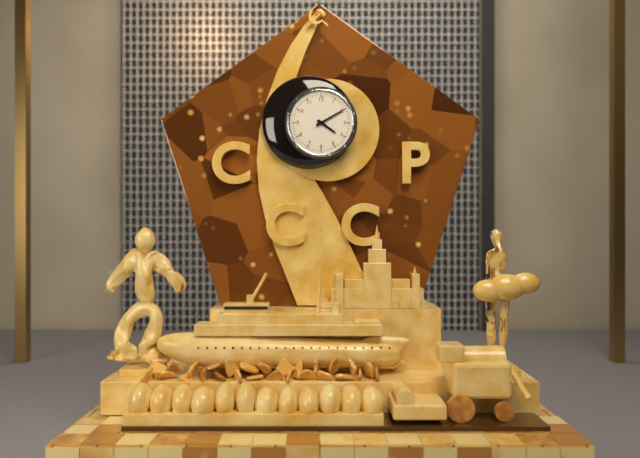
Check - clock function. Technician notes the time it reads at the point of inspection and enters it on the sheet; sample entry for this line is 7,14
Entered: 4,10
